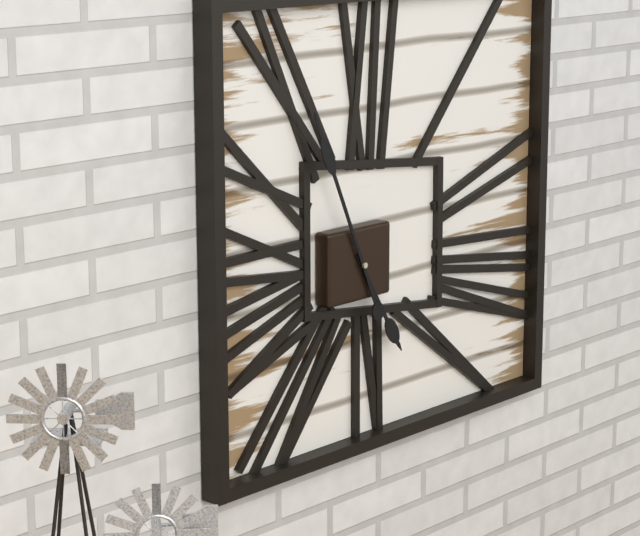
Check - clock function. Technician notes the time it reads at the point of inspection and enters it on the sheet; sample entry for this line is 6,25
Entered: 4,56
